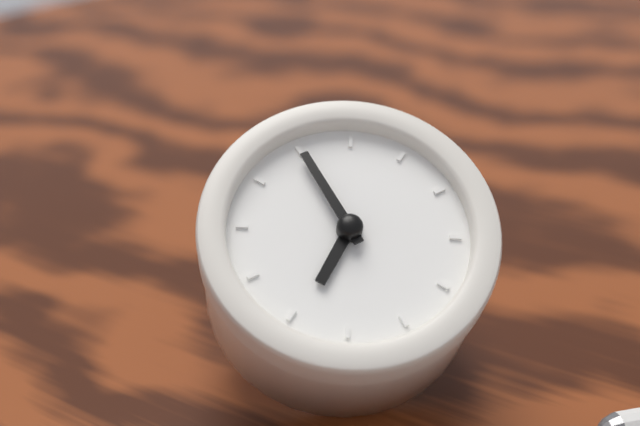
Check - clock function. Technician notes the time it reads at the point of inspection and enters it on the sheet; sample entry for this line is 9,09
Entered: 5,50
